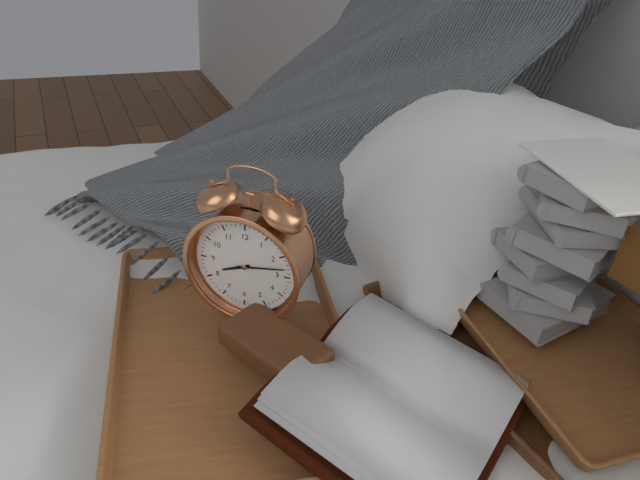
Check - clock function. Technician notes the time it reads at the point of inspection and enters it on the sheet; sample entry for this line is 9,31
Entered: 8,13
